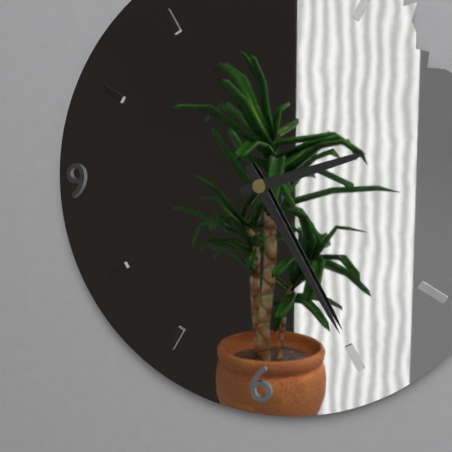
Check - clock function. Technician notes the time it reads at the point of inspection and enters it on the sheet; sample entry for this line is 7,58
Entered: 2,25
